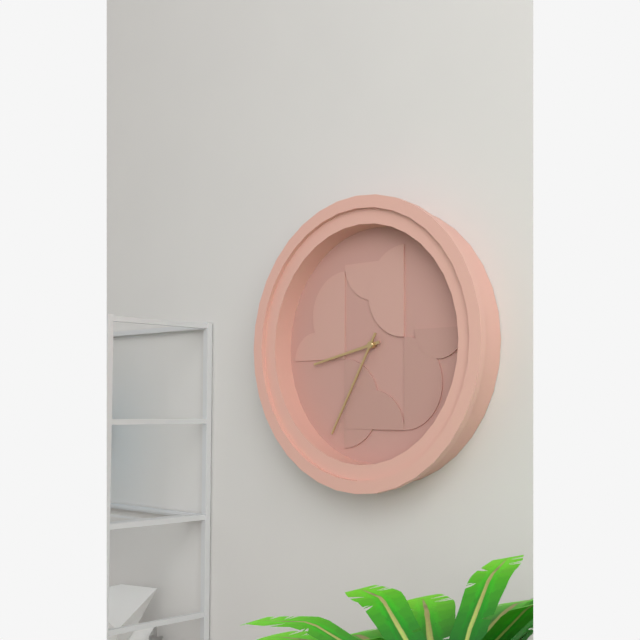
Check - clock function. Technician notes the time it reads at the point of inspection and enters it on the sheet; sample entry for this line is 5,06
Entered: 8,35
